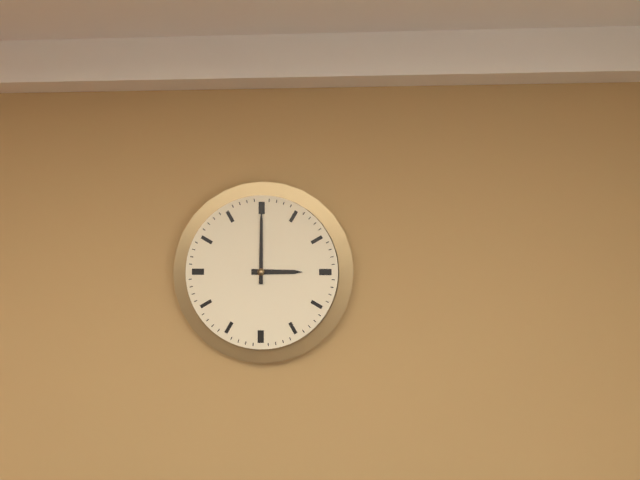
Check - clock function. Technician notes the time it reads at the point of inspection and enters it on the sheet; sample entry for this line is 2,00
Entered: 3,00
